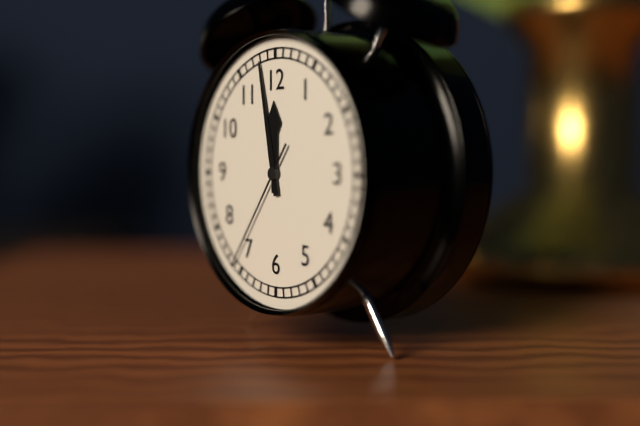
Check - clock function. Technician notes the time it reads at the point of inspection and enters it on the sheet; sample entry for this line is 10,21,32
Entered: 11,58,36
